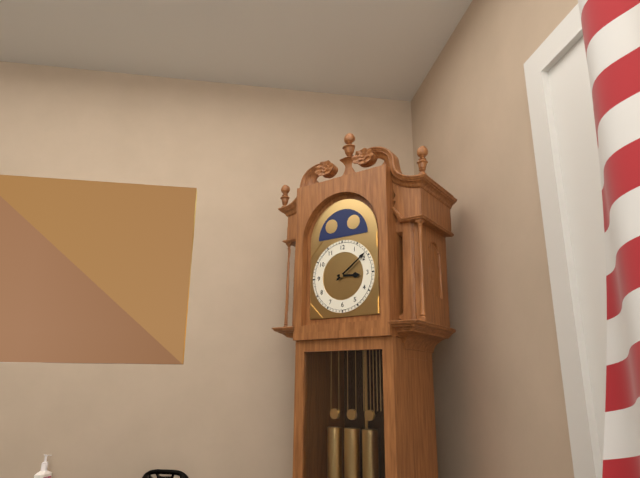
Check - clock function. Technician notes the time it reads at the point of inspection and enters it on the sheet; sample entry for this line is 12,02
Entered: 3,09
